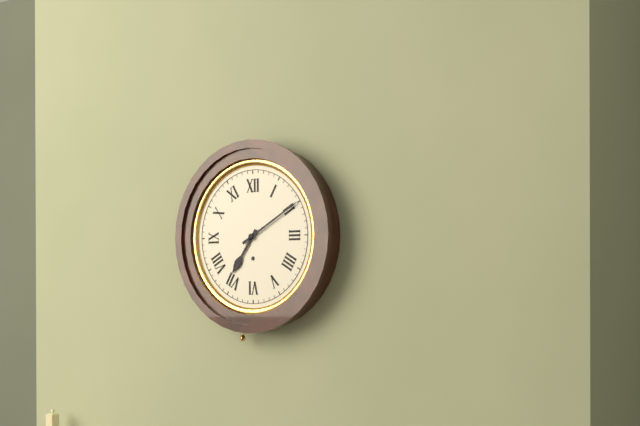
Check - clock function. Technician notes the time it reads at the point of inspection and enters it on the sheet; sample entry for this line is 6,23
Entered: 7,10
